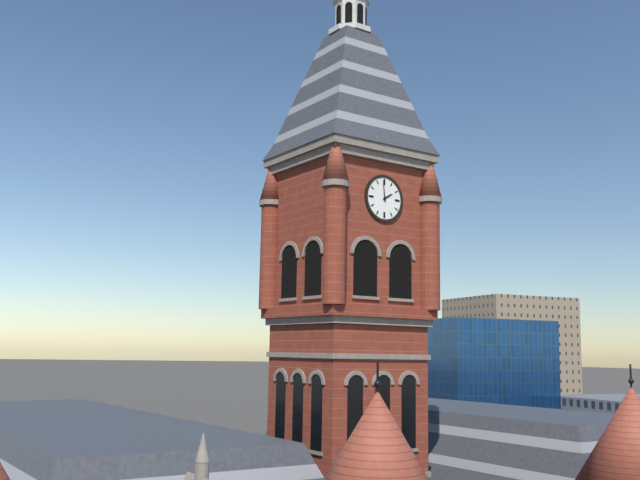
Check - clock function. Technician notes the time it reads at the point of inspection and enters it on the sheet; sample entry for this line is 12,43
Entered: 1,59
